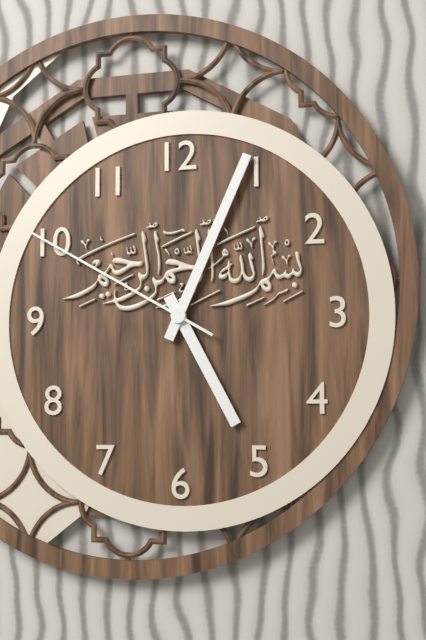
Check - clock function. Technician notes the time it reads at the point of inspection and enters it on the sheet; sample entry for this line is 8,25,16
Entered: 5,04,50
